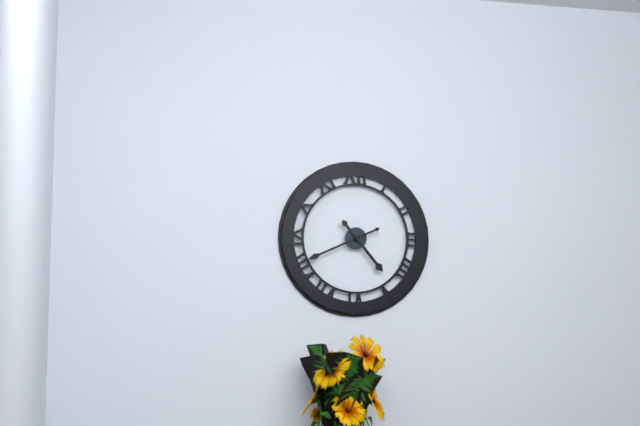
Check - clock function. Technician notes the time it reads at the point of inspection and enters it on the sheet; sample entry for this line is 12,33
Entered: 4,41
